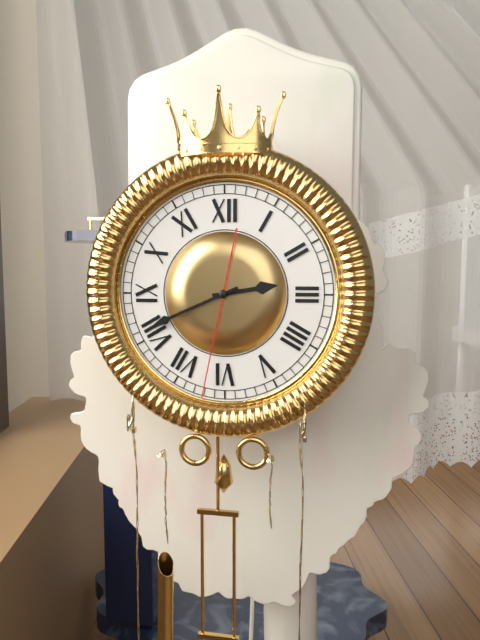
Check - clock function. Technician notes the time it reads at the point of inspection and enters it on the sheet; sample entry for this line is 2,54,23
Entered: 2,41,32
